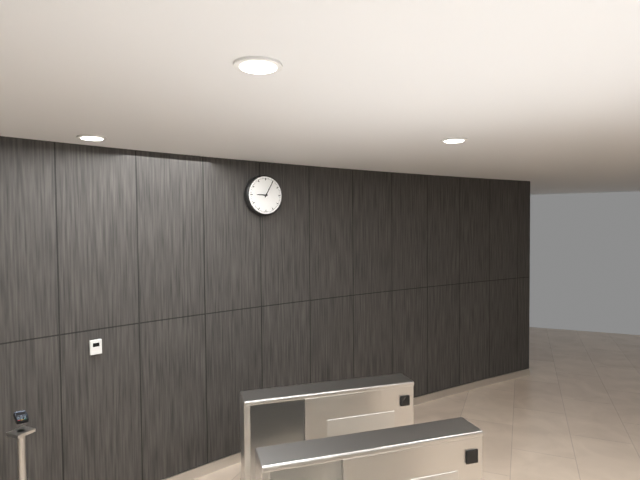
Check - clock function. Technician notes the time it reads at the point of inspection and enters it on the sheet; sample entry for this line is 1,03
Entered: 9,05
